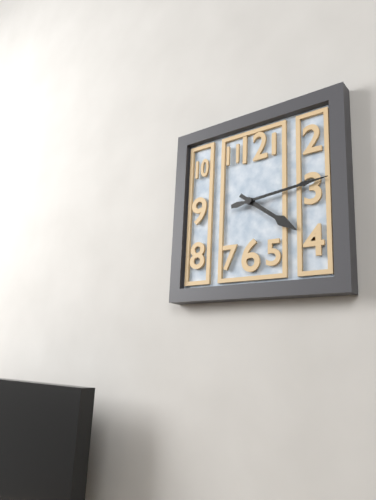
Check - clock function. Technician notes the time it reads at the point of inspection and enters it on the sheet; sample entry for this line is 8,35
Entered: 4,14
